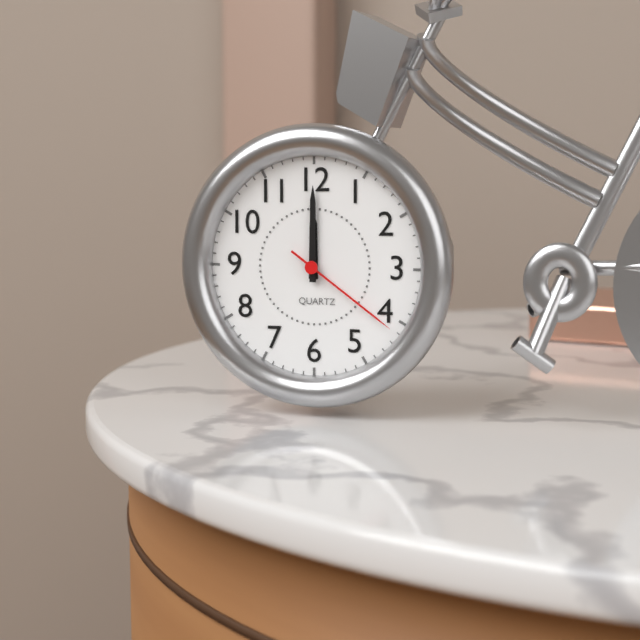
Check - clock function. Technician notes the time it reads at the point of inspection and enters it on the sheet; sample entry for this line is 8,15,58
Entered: 12,00,21
